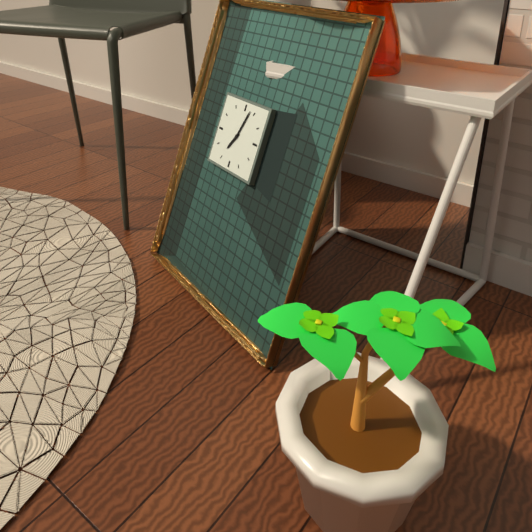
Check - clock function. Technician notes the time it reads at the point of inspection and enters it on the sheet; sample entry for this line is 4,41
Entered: 7,03
